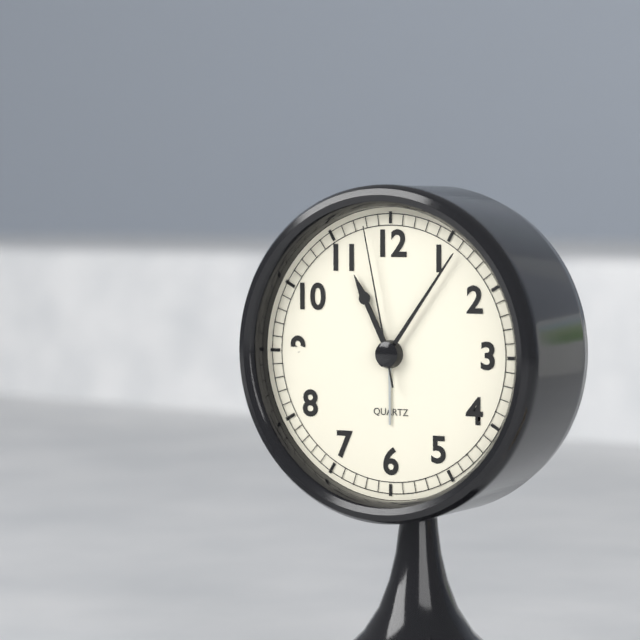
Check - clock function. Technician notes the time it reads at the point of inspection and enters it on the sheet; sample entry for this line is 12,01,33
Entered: 11,06,58
